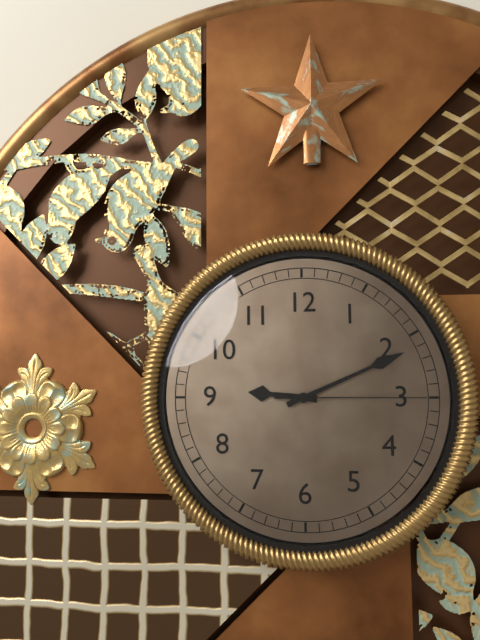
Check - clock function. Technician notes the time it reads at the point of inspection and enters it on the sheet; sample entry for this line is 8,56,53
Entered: 9,11,15
